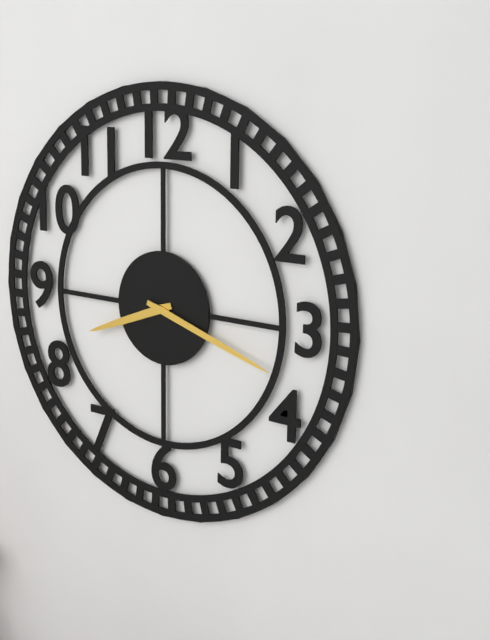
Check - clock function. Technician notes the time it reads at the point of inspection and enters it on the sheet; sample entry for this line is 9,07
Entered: 8,18
